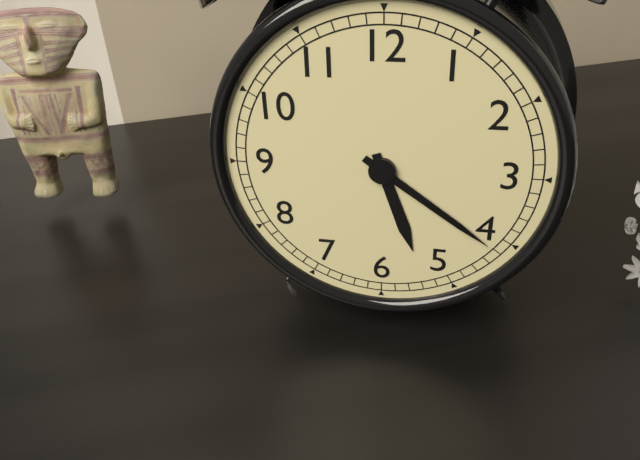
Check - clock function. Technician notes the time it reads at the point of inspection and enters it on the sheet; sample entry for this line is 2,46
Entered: 5,21
